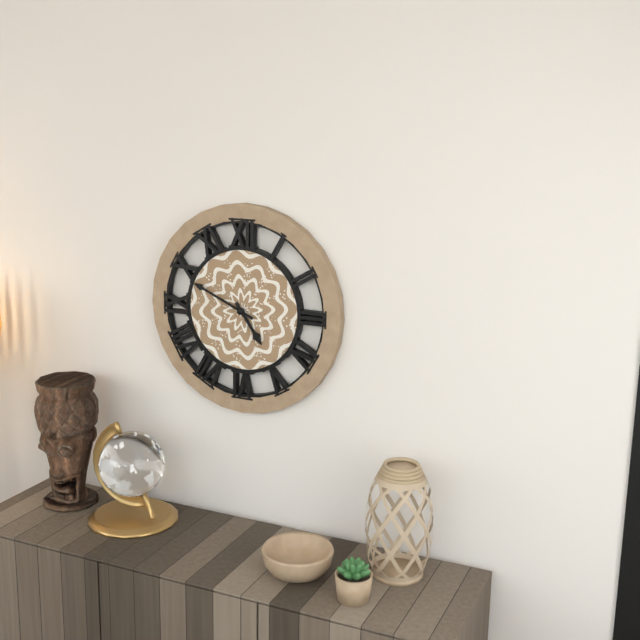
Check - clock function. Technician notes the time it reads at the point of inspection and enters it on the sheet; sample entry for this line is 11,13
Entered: 4,49
